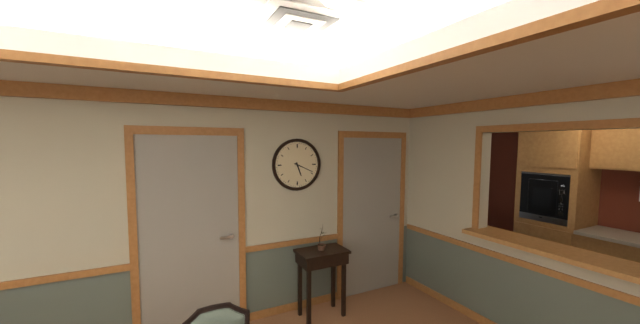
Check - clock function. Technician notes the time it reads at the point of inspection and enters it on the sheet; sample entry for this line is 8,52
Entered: 5,19
